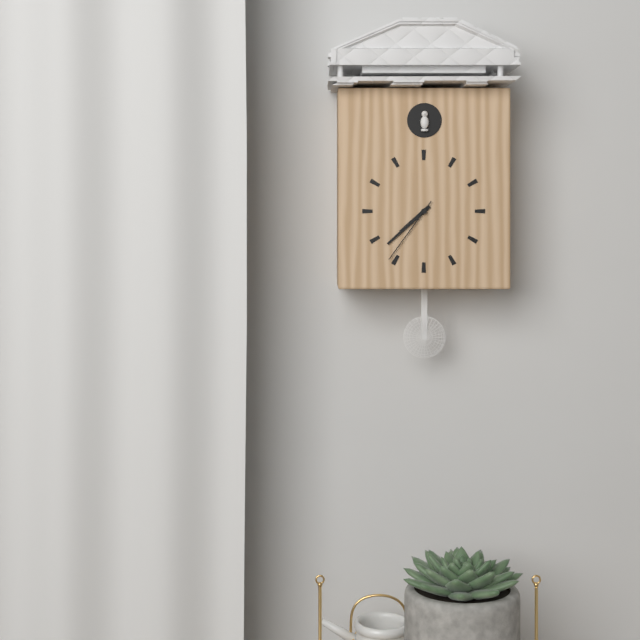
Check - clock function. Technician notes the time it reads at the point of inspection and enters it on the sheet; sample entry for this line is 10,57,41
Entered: 7,38,36
